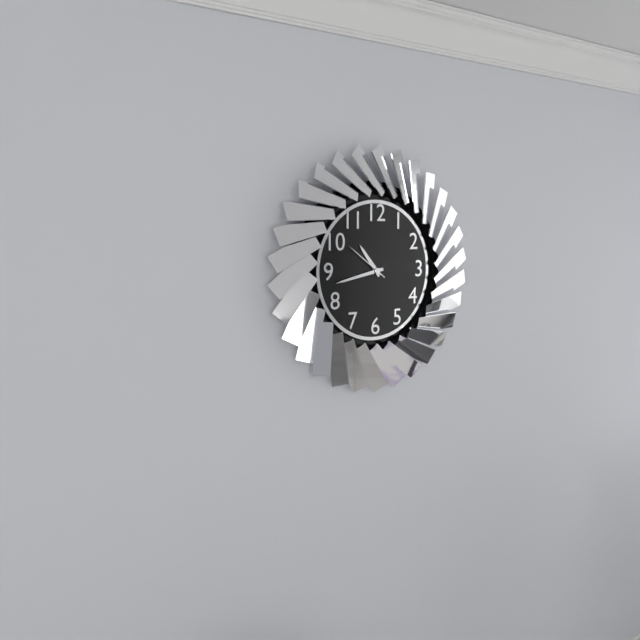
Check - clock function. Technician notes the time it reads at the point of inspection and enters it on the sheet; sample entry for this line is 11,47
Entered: 10,43
